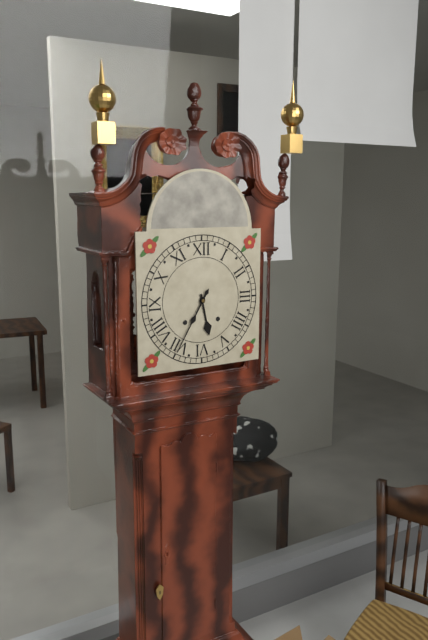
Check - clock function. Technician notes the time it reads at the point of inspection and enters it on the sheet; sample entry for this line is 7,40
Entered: 5,35
